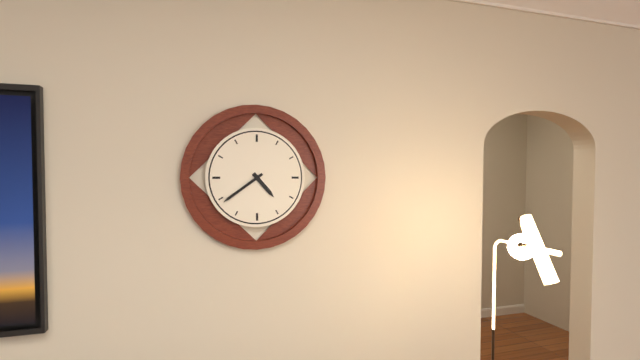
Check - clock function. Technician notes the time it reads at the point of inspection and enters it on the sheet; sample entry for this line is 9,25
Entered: 4,39
